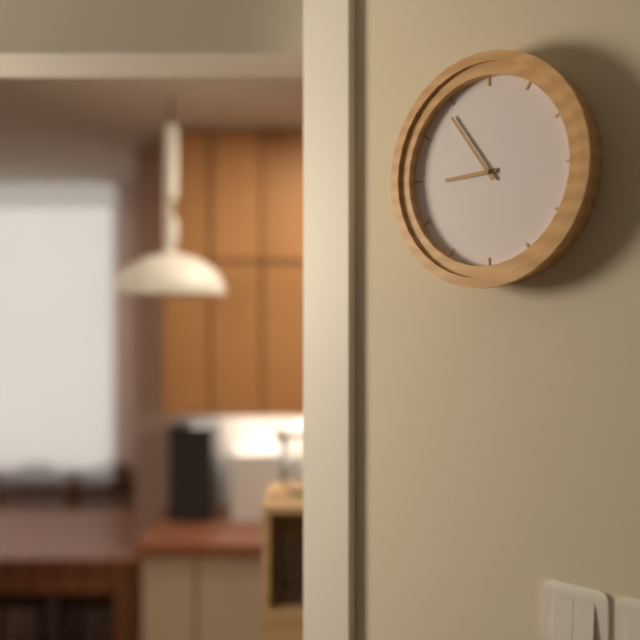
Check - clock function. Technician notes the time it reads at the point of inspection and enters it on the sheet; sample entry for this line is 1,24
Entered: 8,54
